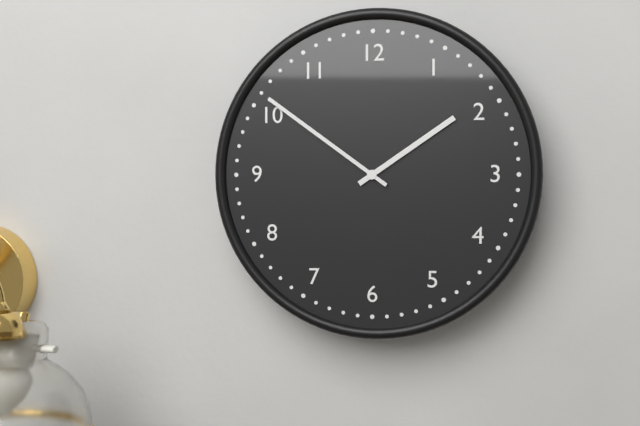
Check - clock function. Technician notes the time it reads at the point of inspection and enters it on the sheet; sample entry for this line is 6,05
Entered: 1,51
